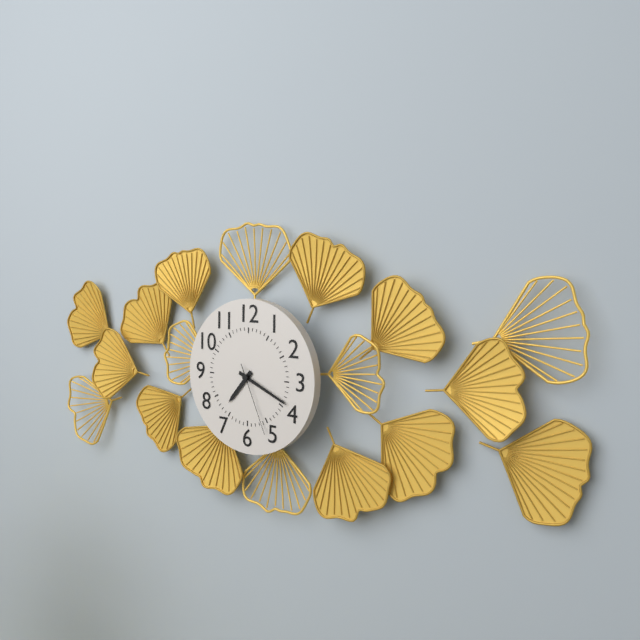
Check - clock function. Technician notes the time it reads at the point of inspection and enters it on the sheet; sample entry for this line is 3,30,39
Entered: 7,19,26
